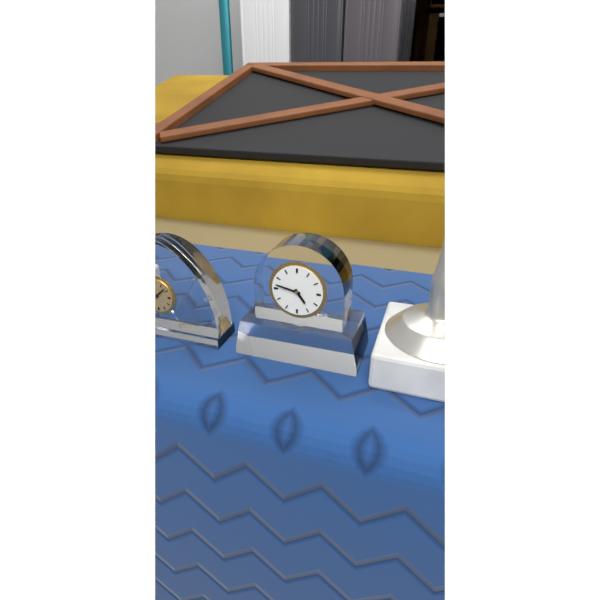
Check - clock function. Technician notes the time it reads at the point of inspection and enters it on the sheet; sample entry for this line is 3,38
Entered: 4,47
